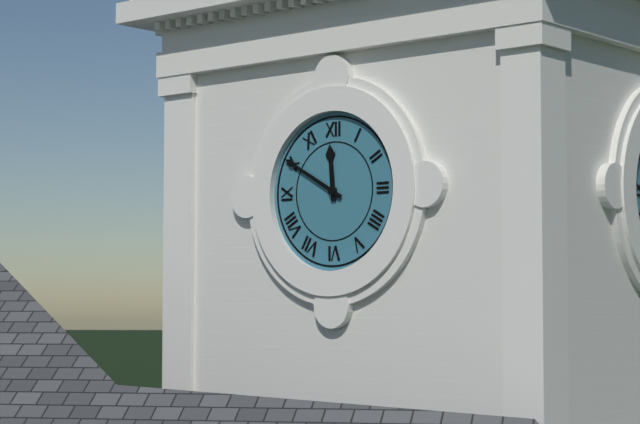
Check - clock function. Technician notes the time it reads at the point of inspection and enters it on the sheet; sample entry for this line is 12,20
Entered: 11,50
